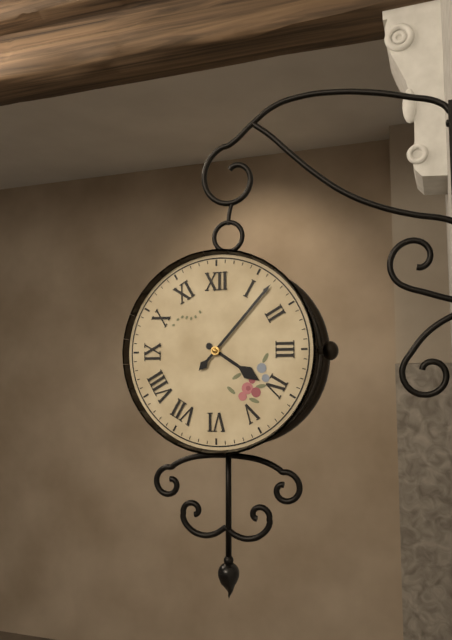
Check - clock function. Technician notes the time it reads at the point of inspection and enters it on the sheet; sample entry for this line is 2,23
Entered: 4,07
